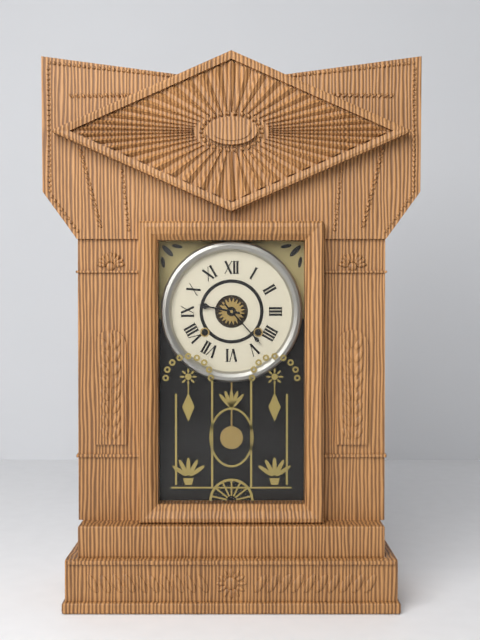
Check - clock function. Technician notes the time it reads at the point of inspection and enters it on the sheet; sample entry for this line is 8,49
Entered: 9,23
